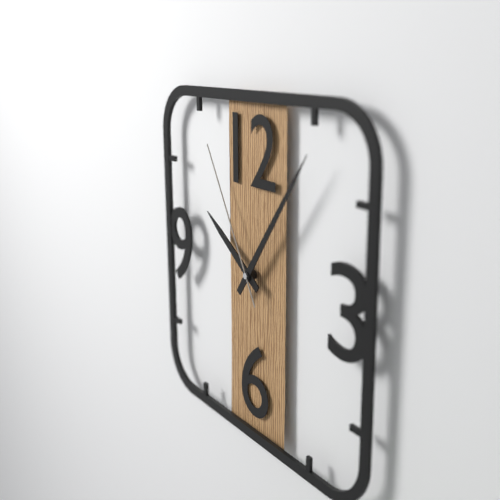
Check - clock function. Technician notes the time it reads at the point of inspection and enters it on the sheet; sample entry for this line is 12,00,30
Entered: 10,06,55
